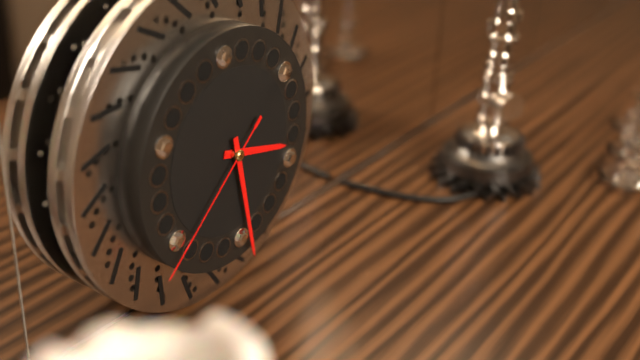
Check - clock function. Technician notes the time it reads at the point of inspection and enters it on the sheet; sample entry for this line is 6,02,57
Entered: 3,28,38
